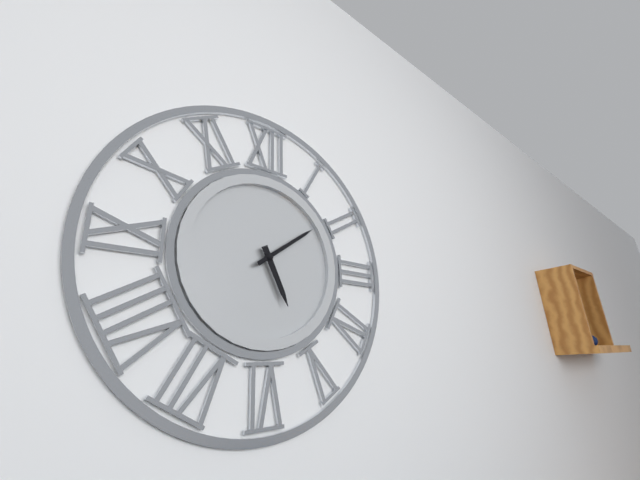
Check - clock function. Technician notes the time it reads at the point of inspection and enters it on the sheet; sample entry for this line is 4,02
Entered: 5,09
